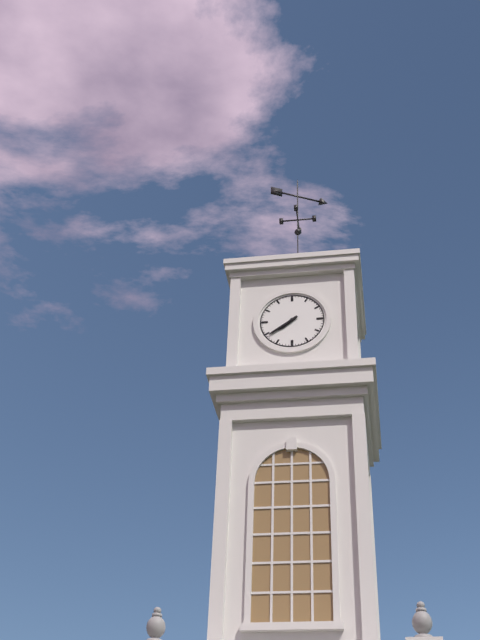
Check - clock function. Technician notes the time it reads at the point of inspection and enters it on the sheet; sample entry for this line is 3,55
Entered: 7,39
